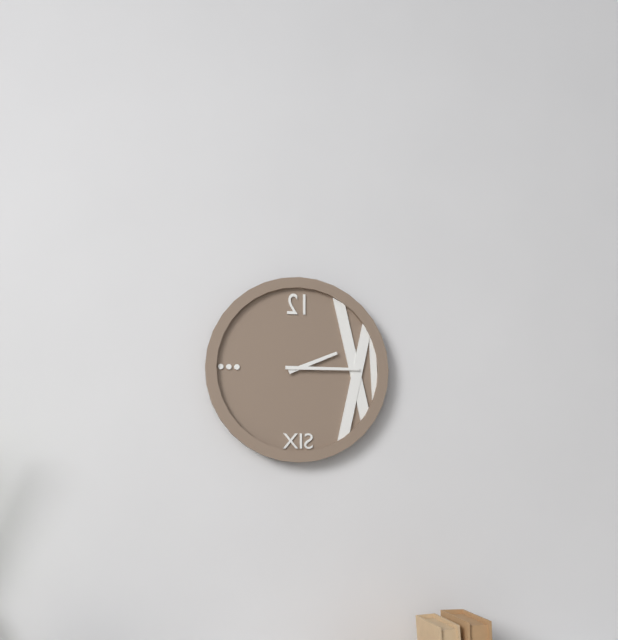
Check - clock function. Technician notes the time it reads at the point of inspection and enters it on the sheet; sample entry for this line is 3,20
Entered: 2,15
